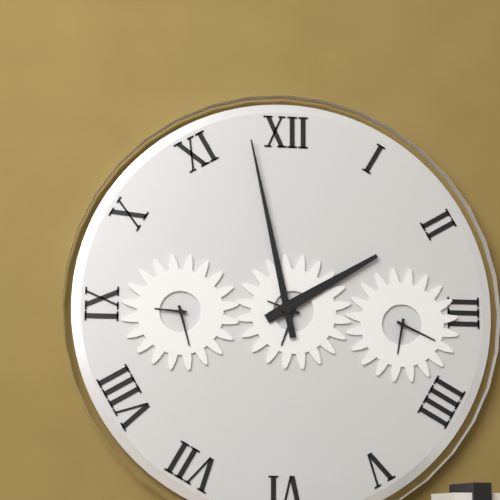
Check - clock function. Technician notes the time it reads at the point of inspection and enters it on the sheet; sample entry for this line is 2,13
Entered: 1,58
